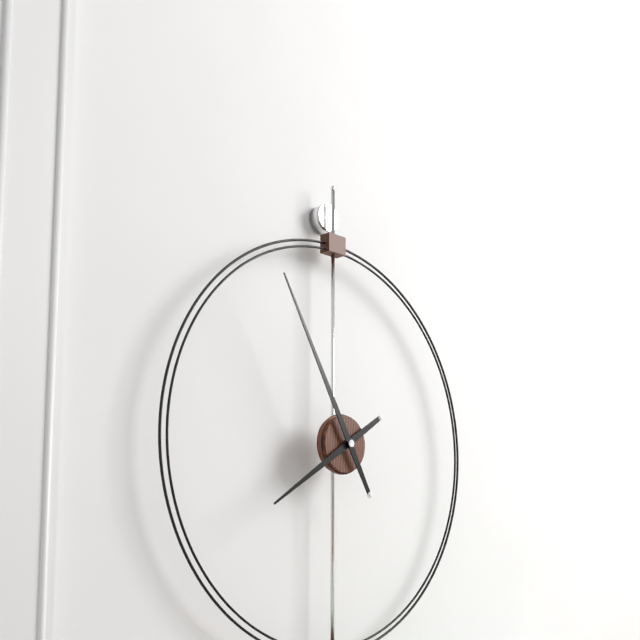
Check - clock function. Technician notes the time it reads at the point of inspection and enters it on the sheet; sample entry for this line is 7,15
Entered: 7,55
